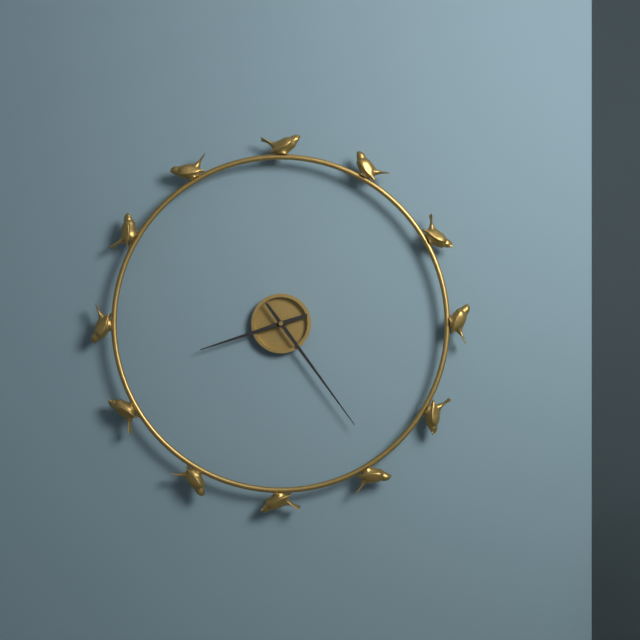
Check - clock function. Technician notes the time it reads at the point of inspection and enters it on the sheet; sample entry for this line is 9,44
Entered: 8,24
